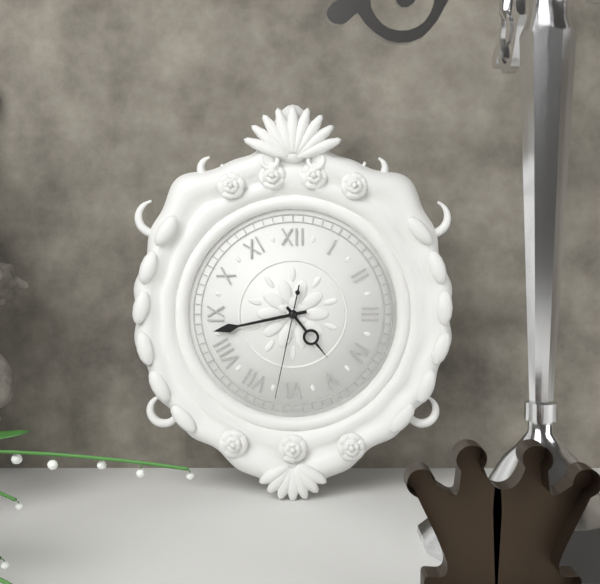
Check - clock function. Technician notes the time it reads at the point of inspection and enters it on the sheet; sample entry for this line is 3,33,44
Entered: 4,43,32
